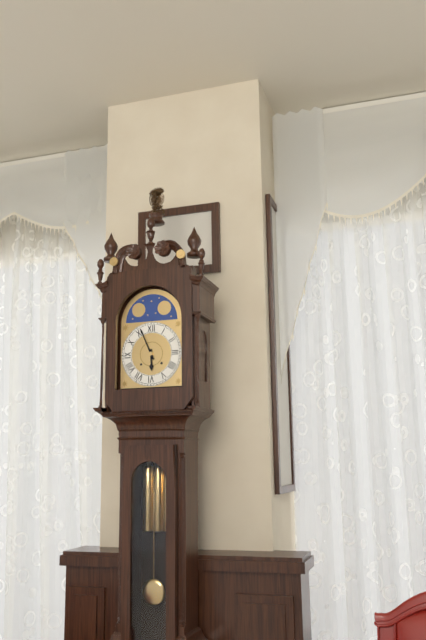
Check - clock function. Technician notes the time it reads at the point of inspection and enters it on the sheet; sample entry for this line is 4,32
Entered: 5,56
